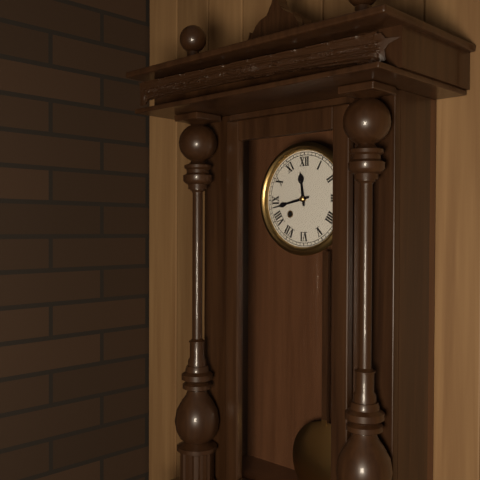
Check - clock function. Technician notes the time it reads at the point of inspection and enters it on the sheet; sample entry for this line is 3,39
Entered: 11,43
